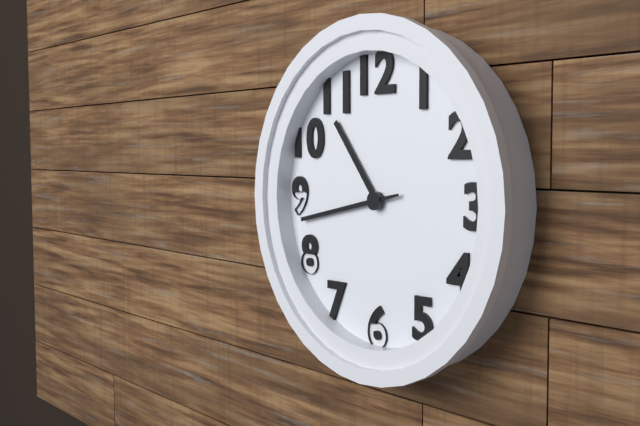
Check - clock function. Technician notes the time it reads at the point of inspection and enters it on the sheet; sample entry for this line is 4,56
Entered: 10,43
